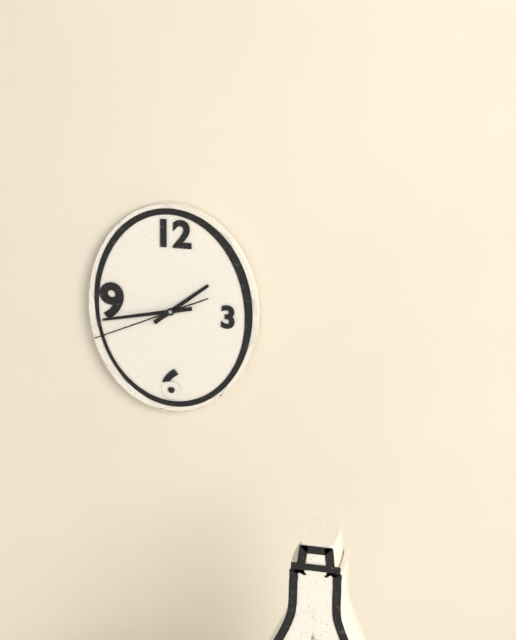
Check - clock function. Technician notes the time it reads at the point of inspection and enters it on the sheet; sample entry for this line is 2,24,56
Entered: 1,43,41
